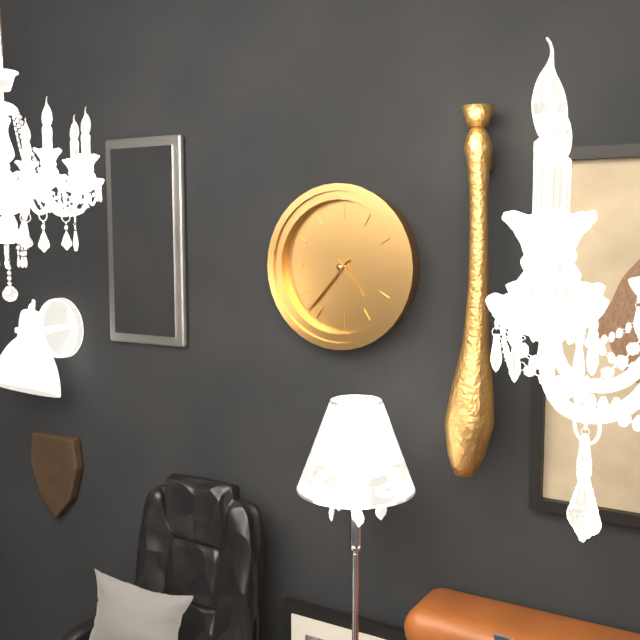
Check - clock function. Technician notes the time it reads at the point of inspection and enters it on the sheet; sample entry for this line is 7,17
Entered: 4,37
